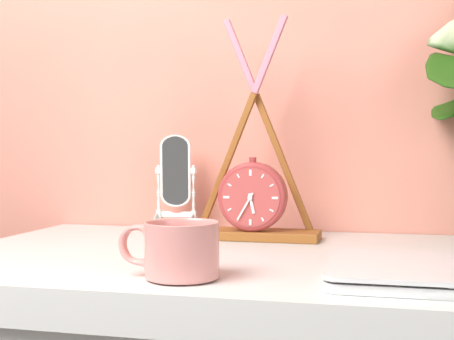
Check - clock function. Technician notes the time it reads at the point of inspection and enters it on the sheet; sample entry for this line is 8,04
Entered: 5,35
